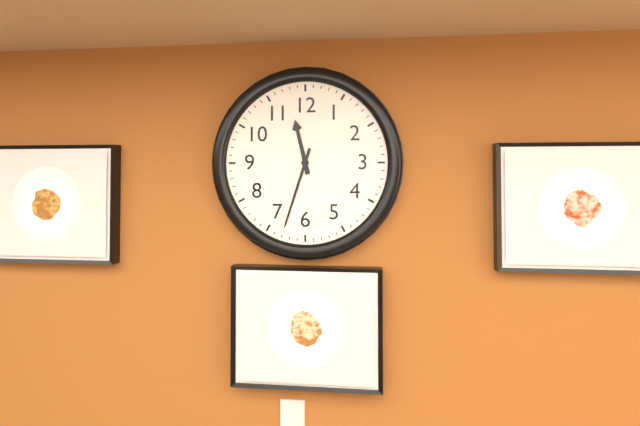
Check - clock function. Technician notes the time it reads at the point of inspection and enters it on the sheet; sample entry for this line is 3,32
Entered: 11,33
